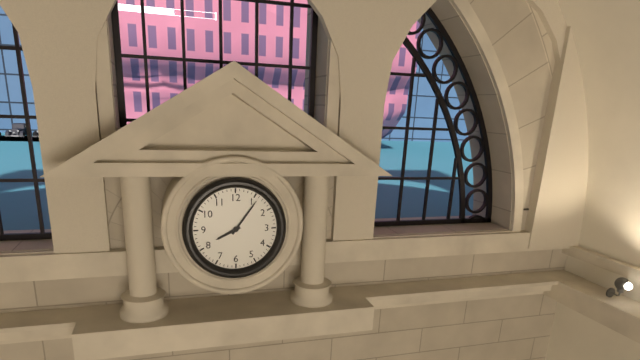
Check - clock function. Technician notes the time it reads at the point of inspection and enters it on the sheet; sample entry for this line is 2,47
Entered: 8,06
